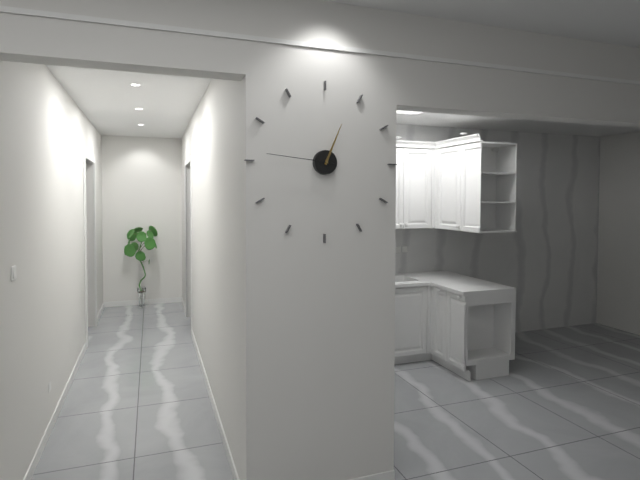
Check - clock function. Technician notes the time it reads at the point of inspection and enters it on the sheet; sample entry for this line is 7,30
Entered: 12,46
